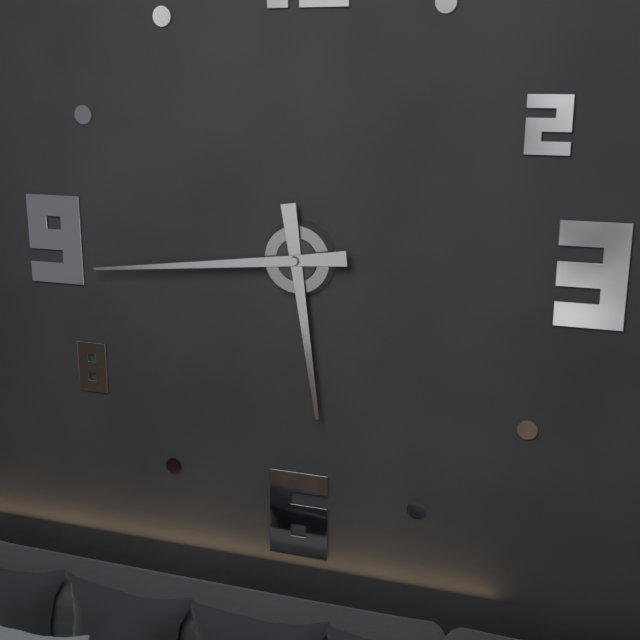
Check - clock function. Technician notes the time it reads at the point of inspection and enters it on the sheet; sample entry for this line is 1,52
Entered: 5,44
